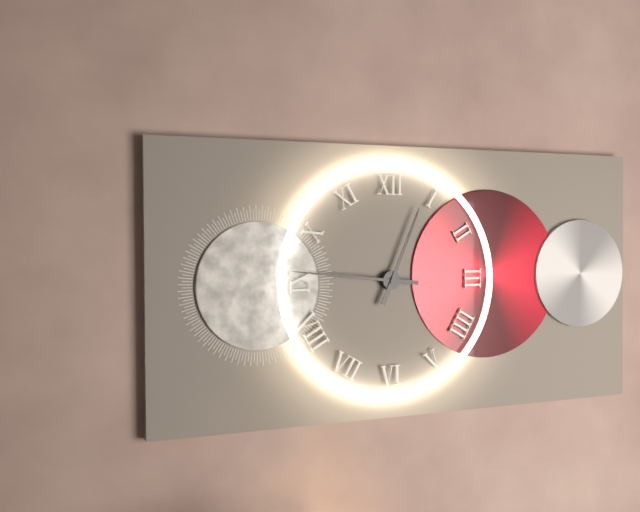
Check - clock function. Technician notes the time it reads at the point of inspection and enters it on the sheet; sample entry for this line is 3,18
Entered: 12,46
